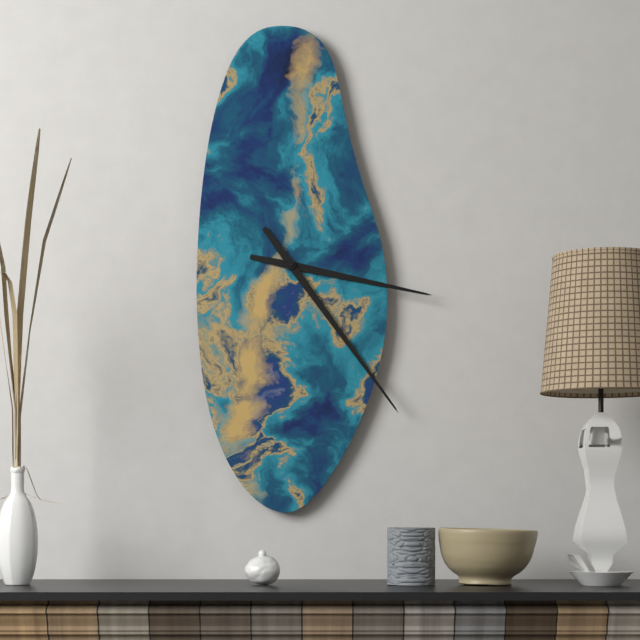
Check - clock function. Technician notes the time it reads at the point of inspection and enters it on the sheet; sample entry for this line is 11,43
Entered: 3,24
